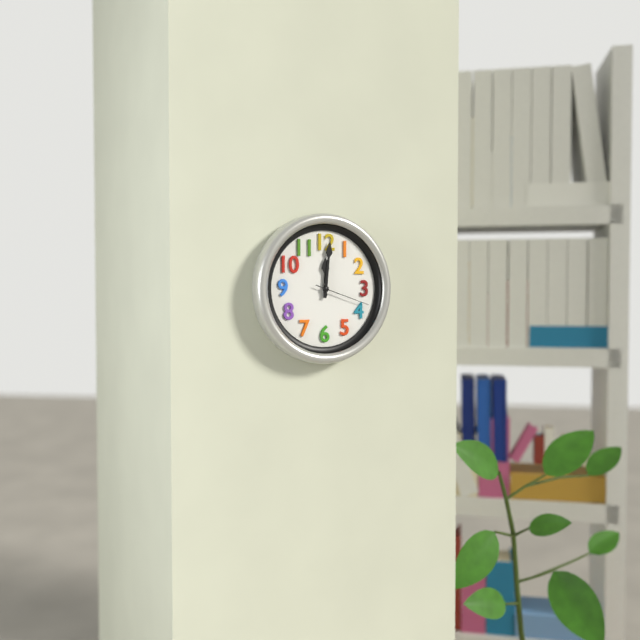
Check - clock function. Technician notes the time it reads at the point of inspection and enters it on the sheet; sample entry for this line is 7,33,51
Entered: 12,01,18
